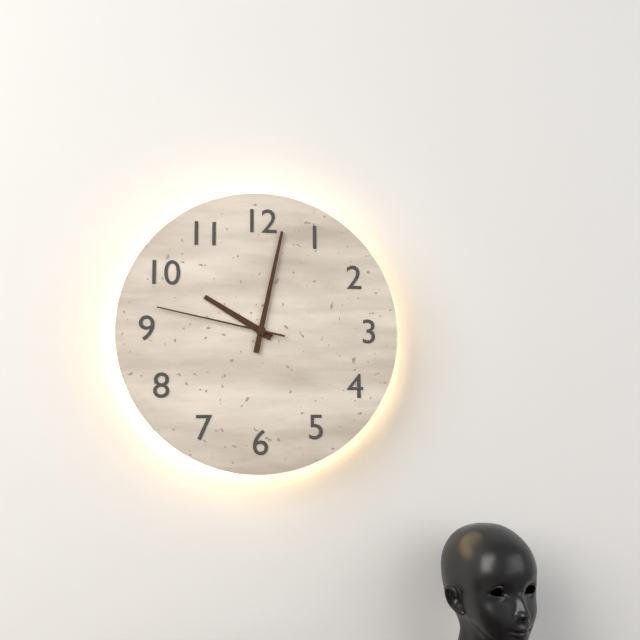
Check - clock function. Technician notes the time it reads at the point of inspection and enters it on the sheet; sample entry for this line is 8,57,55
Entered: 10,02,47
